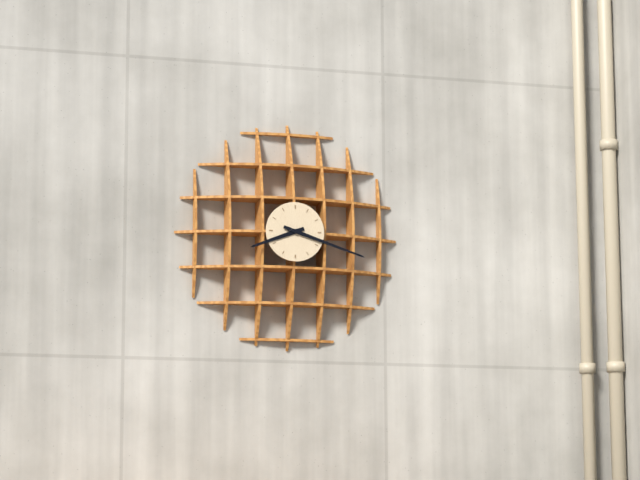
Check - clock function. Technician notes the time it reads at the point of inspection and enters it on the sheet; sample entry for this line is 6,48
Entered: 8,18
